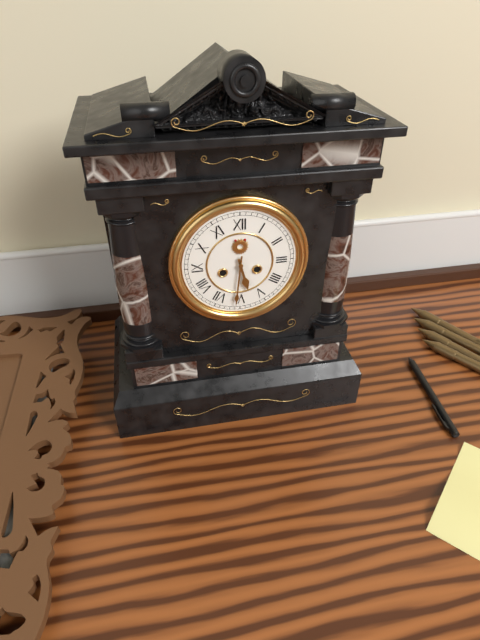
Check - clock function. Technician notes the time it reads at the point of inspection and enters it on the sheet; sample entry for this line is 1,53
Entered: 5,31
